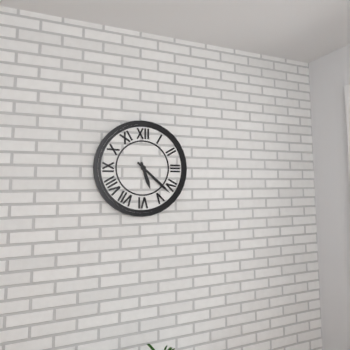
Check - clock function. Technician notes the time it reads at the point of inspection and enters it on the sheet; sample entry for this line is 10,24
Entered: 5,22
